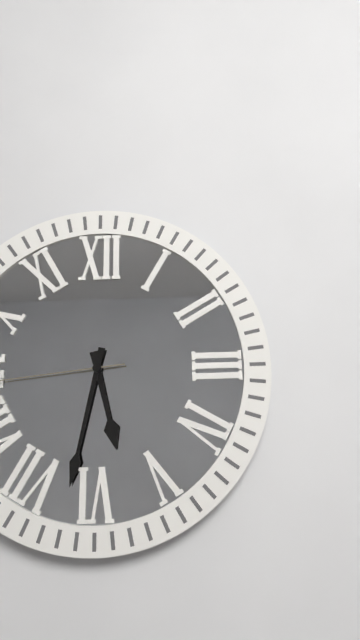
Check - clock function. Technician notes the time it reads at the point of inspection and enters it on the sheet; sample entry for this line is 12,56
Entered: 5,32
